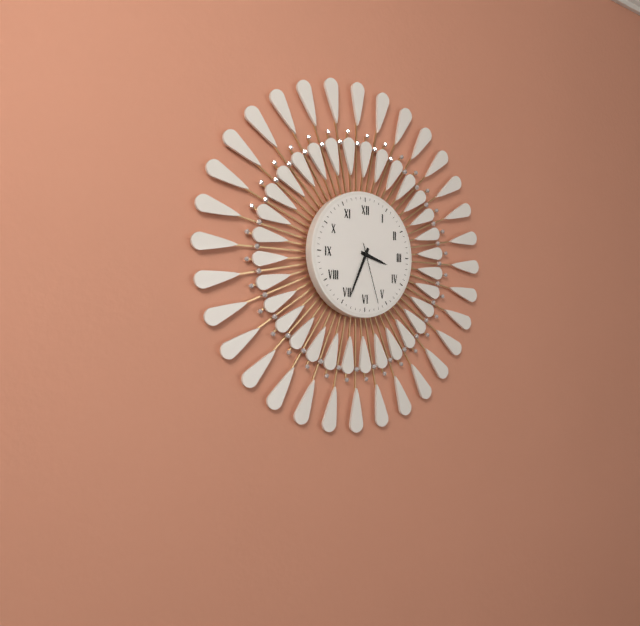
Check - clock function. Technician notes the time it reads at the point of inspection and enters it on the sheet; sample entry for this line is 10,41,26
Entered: 3,34,27
